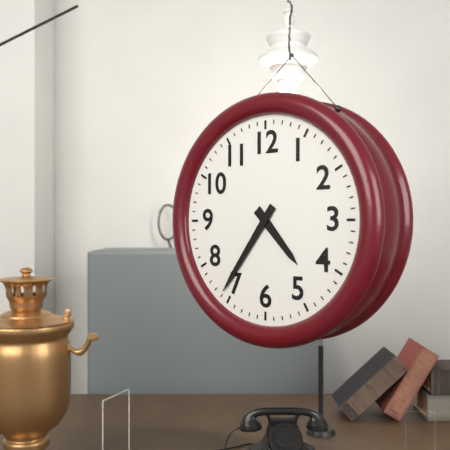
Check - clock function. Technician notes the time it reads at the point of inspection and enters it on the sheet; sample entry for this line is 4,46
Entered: 4,36
